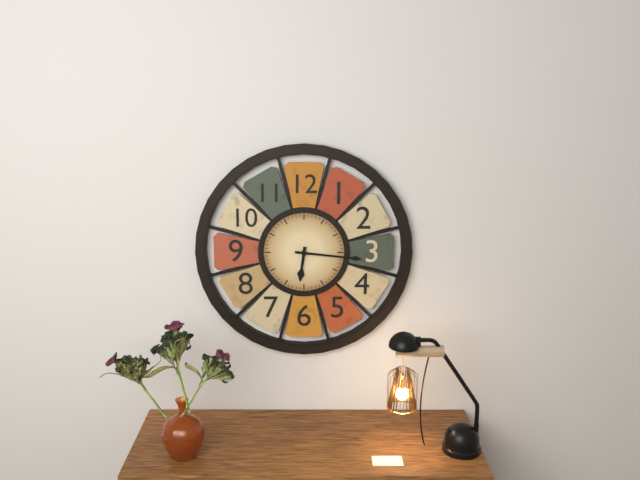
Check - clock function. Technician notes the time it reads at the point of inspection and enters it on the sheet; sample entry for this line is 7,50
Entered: 6,16
